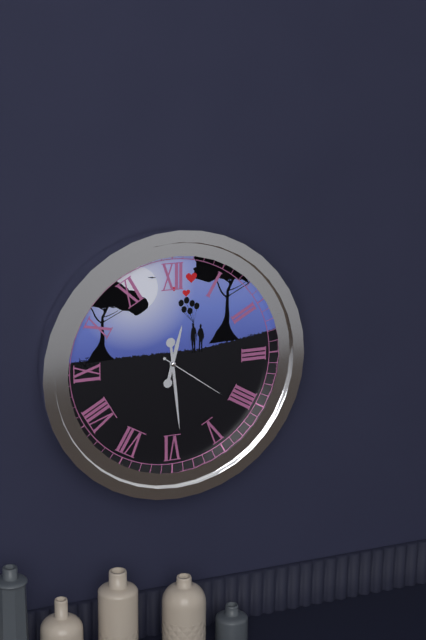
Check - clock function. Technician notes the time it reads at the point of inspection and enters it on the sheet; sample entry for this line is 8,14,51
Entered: 12,29,21
